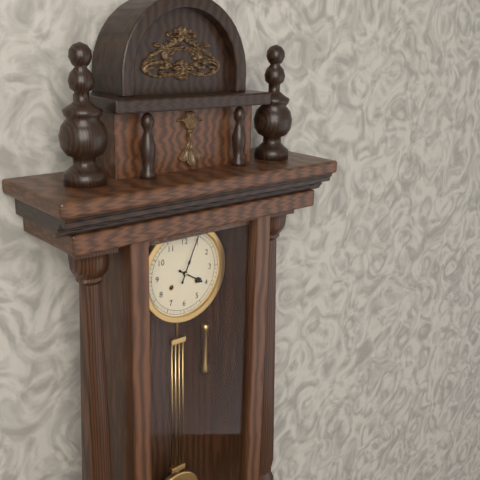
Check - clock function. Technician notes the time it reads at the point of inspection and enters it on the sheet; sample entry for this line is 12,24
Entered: 4,04
